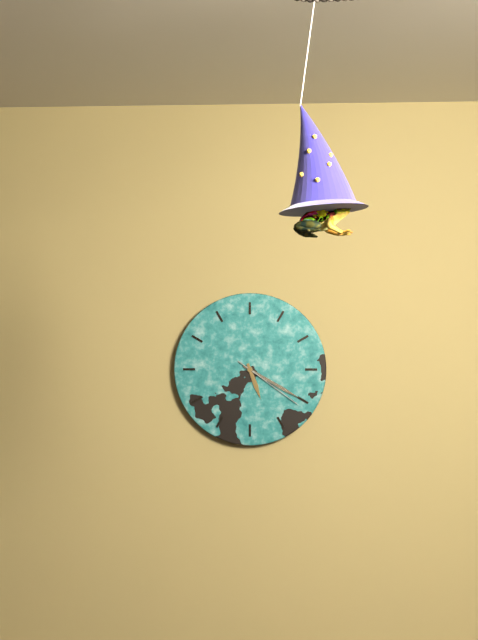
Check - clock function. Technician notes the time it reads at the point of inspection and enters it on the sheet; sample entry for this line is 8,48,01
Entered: 5,20,21
